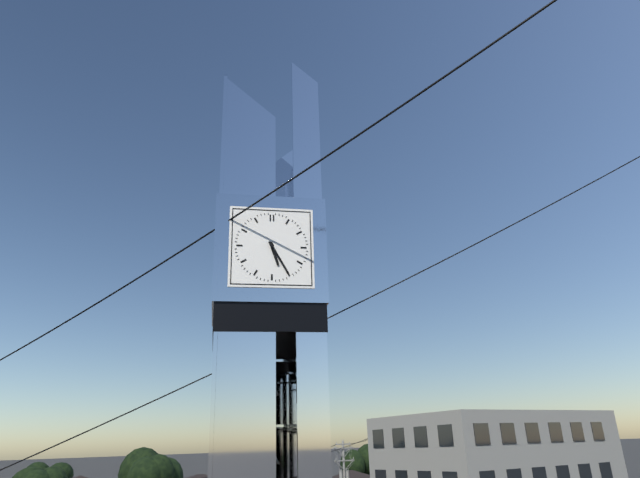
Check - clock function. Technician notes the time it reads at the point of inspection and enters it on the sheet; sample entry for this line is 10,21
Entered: 5,25
